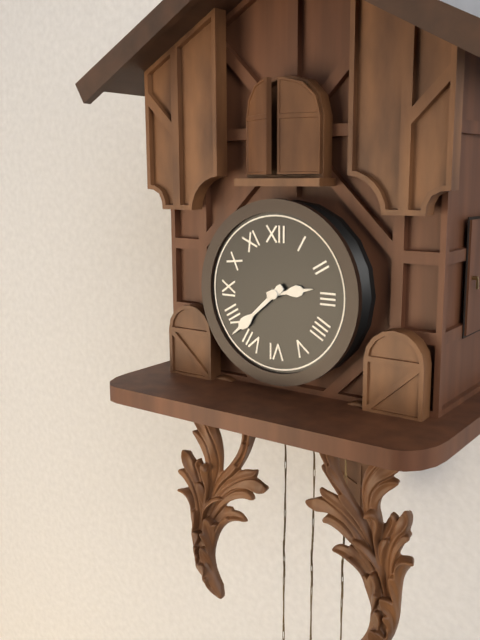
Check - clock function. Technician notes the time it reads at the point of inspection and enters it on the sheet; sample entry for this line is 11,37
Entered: 2,38
